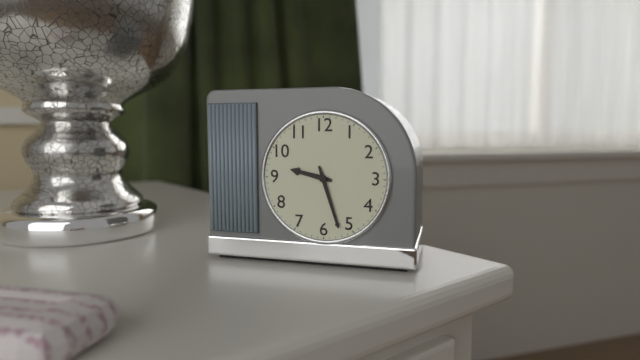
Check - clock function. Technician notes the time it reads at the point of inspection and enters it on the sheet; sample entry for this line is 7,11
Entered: 9,27
